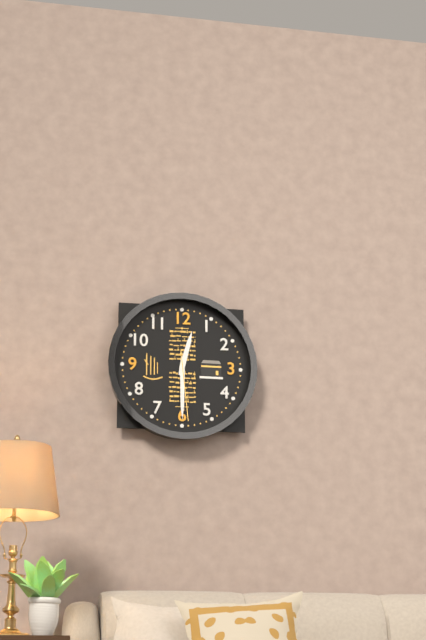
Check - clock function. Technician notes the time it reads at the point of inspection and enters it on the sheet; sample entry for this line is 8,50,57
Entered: 12,30,29
